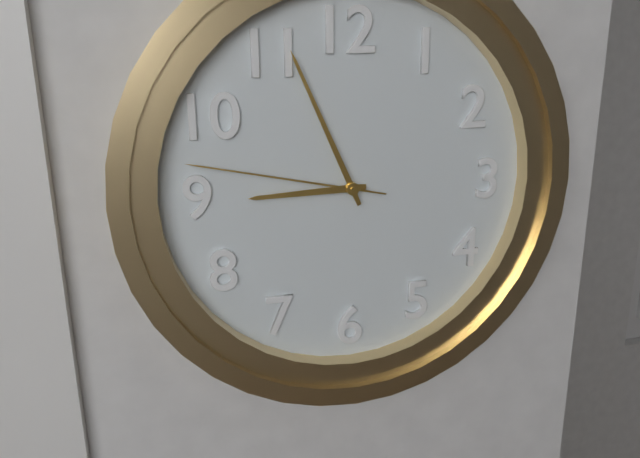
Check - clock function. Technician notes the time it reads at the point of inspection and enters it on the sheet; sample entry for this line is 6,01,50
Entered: 8,56,47
